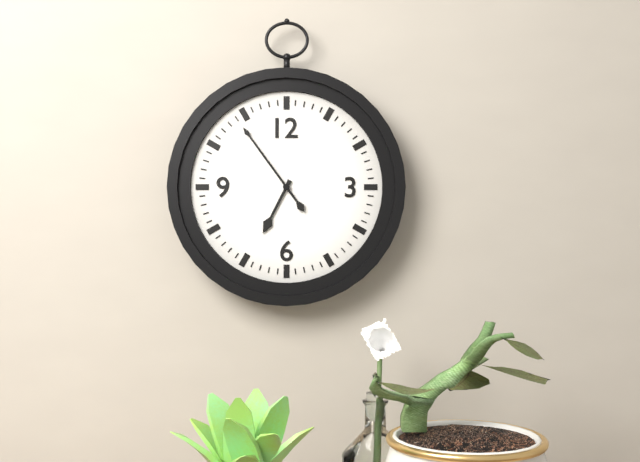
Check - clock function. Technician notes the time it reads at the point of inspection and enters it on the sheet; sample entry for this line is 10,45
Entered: 6,54
